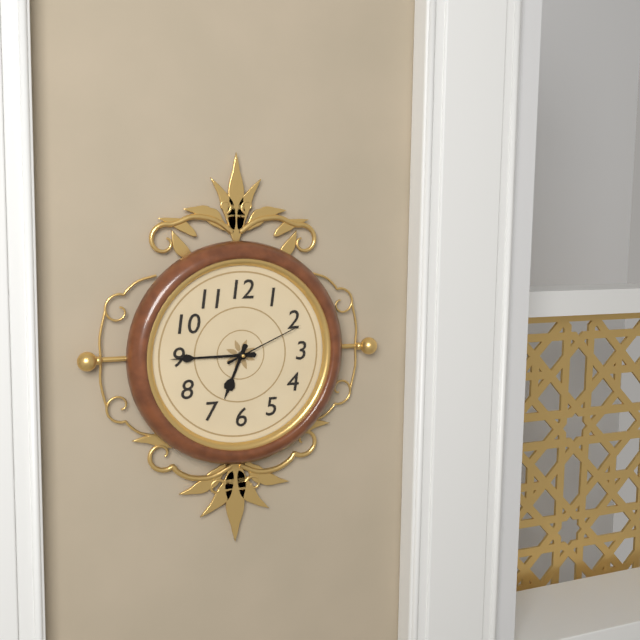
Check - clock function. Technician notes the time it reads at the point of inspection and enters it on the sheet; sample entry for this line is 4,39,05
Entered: 6,45,11
